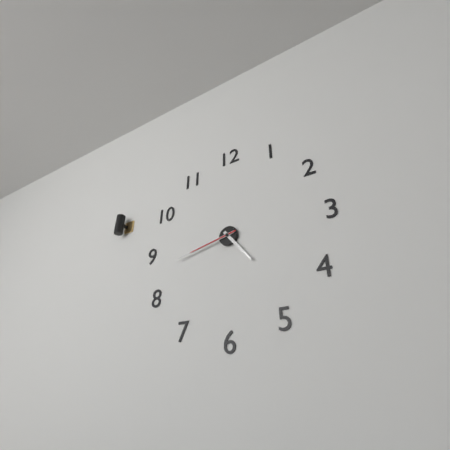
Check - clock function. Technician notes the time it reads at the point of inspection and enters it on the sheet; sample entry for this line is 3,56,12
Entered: 4,43,43
